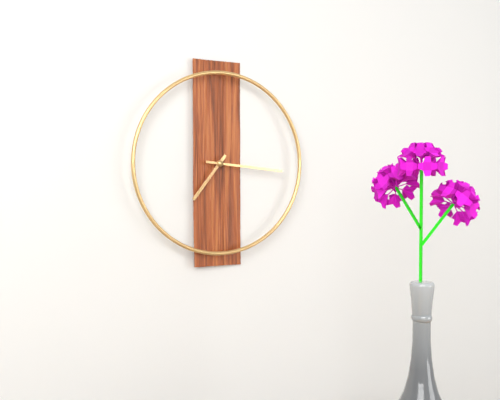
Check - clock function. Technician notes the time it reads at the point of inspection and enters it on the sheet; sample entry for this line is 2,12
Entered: 7,16
